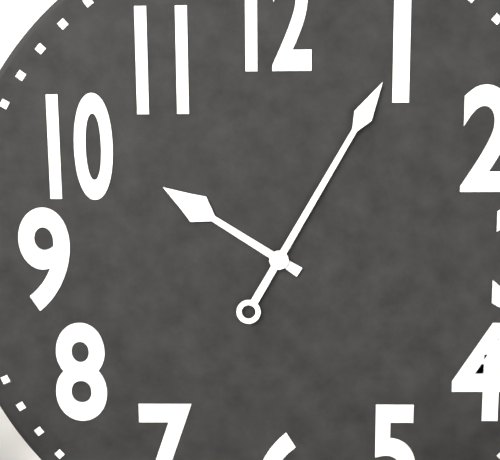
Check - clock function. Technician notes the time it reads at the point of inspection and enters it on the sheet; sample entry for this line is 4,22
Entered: 10,05
